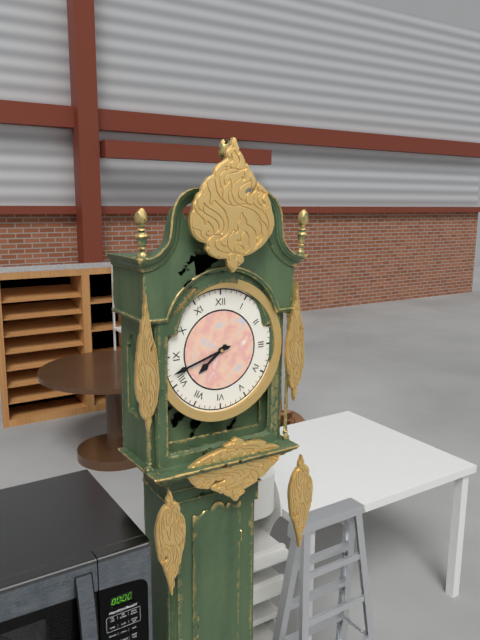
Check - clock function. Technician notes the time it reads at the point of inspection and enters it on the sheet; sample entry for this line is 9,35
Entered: 7,42
